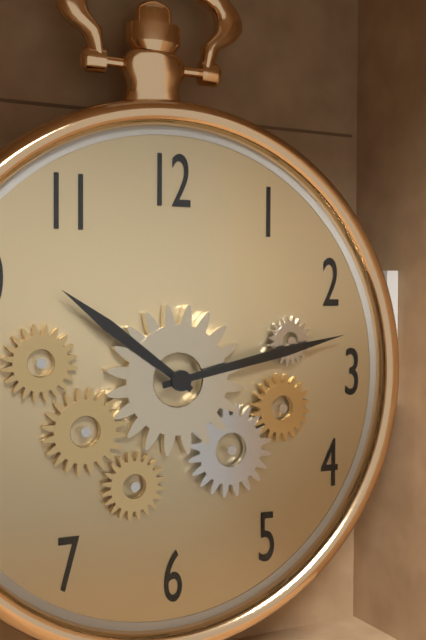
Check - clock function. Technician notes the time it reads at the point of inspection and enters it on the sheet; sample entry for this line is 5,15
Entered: 10,13
